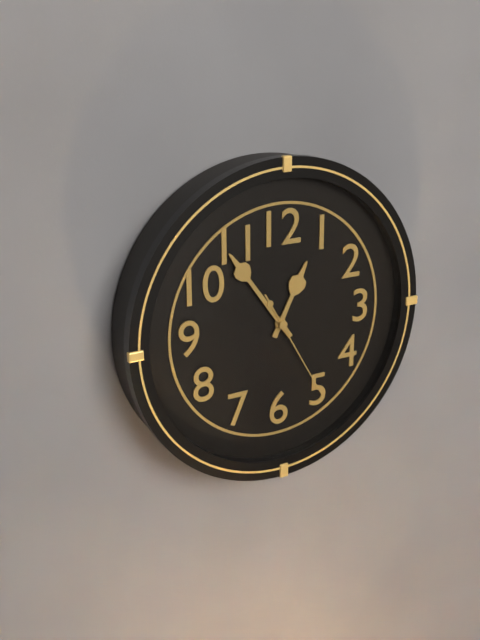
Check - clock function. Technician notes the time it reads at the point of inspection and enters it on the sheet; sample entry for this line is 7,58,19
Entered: 12,54,25
